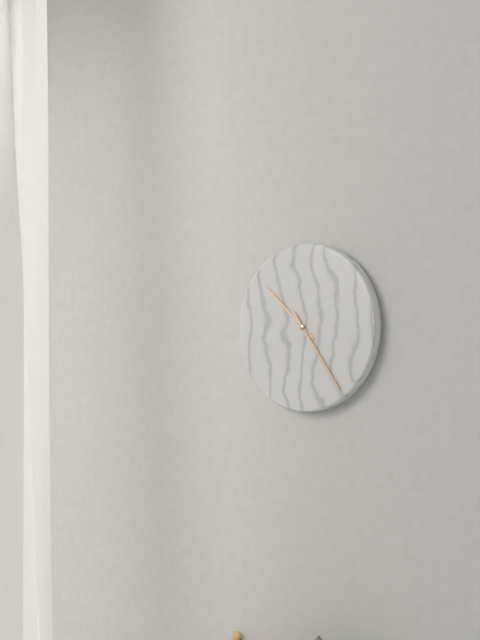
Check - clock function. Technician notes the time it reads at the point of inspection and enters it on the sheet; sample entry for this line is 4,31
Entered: 10,24
